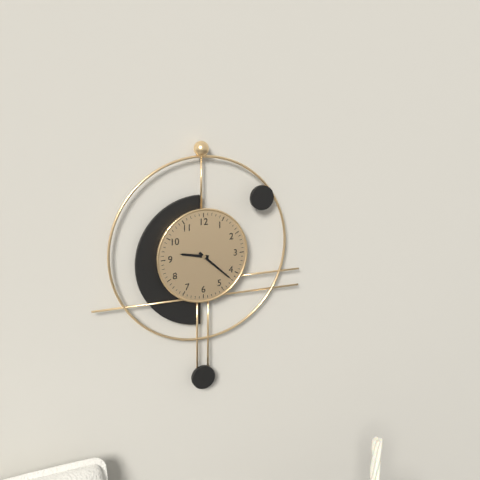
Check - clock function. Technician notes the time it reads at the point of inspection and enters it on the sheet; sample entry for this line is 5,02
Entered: 9,22
